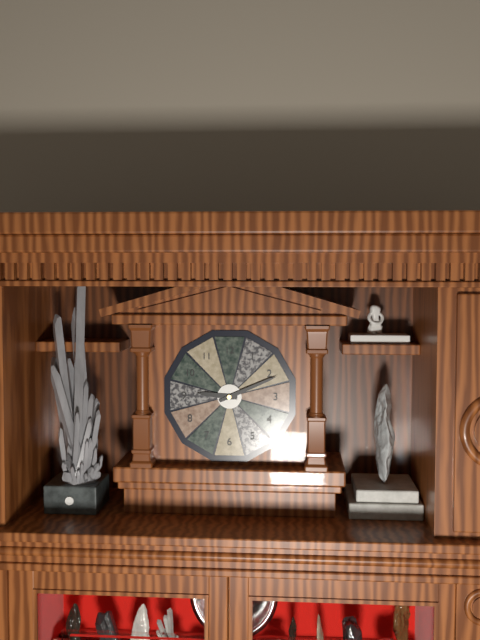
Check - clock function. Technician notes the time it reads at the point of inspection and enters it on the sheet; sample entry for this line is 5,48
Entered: 9,11
